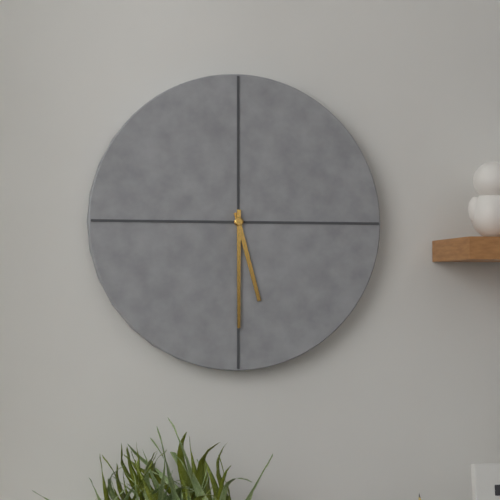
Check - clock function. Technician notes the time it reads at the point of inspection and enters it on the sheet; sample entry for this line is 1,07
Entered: 5,30
